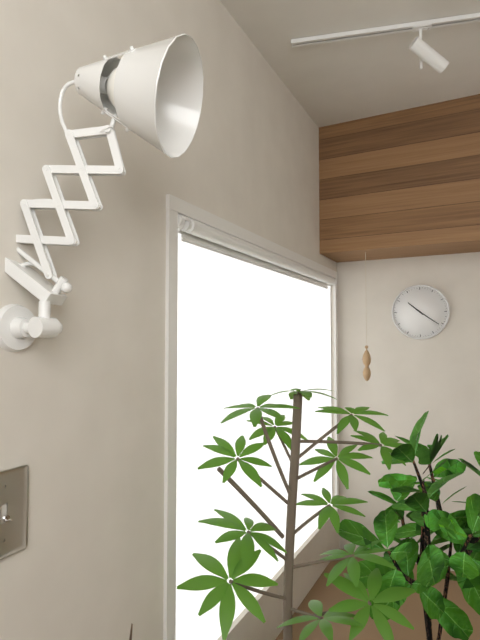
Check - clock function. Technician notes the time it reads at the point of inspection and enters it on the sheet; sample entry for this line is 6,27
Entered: 10,21
